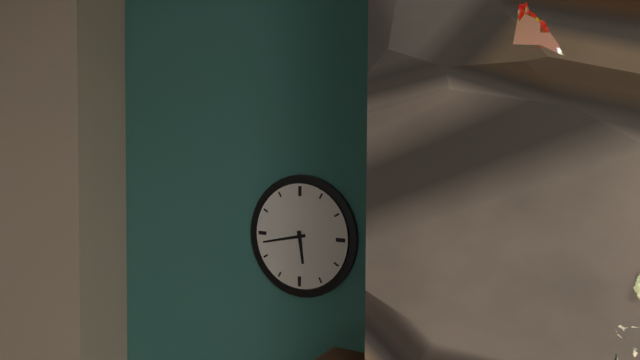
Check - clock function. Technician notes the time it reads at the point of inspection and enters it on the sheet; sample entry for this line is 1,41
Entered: 5,43
